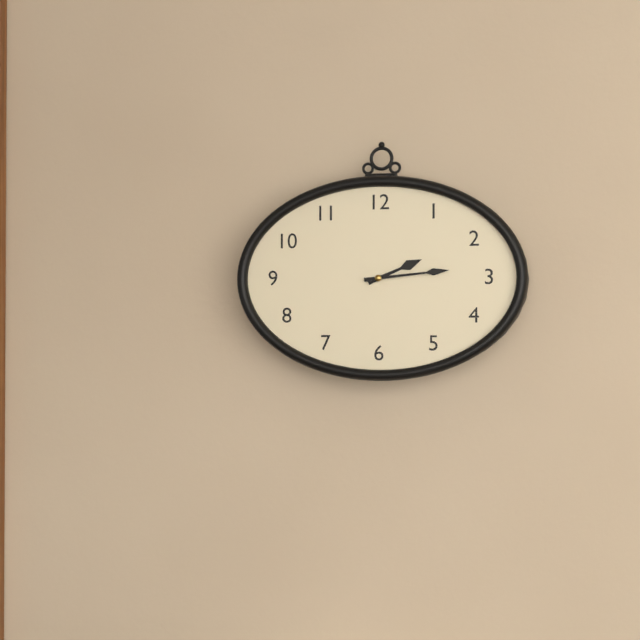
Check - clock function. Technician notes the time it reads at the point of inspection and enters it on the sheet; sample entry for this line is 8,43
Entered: 2,14
